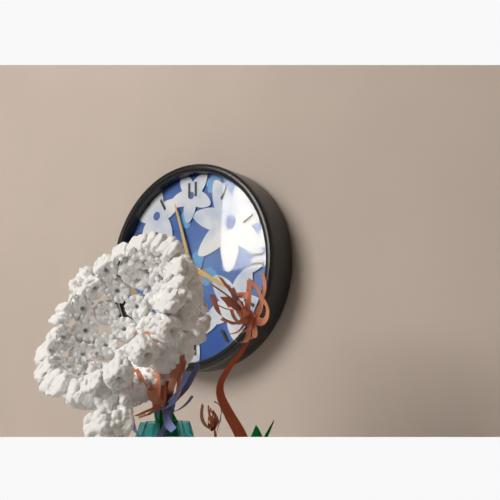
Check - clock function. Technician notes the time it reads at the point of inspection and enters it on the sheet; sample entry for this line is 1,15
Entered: 3,57
